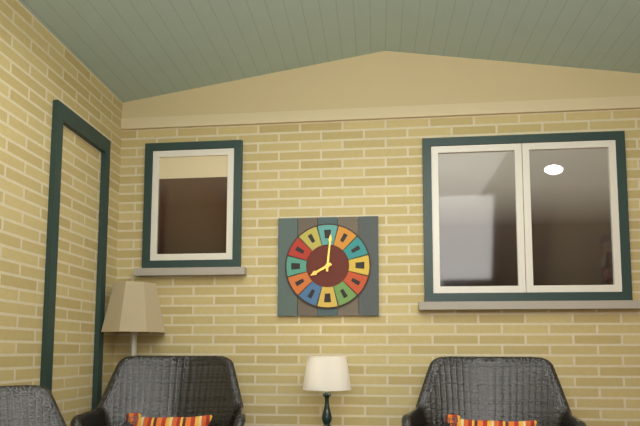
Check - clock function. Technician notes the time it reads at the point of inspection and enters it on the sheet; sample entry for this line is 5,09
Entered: 8,01
